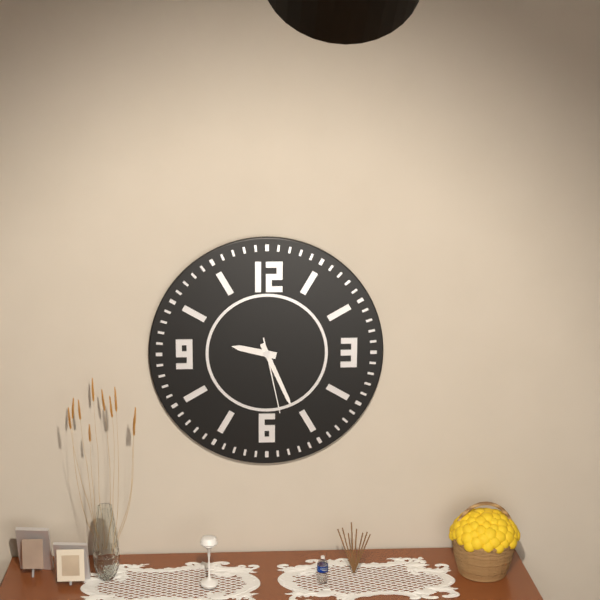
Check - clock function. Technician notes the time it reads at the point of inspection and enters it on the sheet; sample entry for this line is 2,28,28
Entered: 9,26,28
